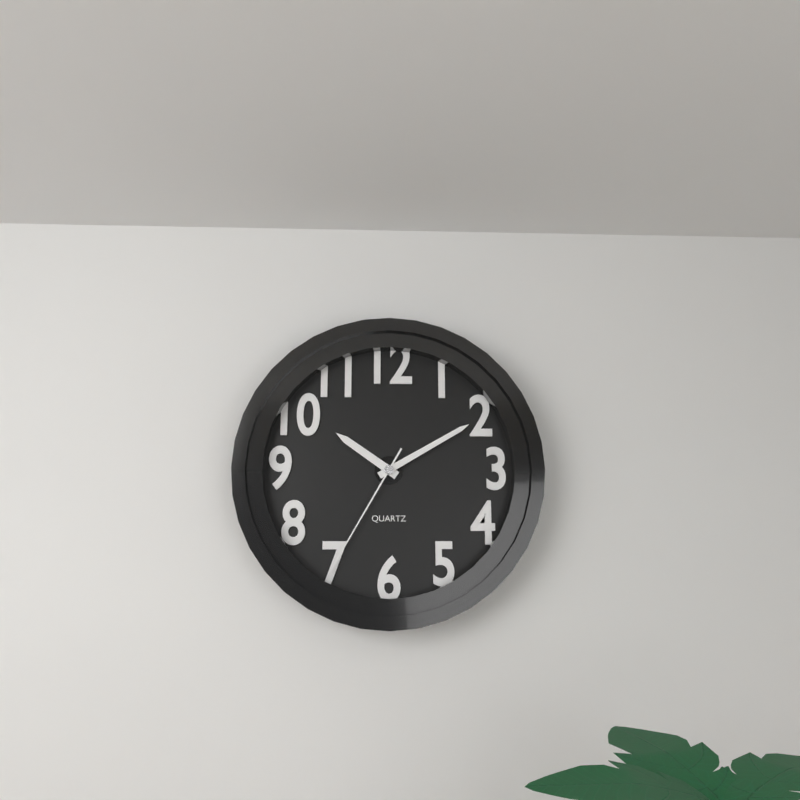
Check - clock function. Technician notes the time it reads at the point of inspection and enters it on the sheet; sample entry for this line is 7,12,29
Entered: 10,10,35
